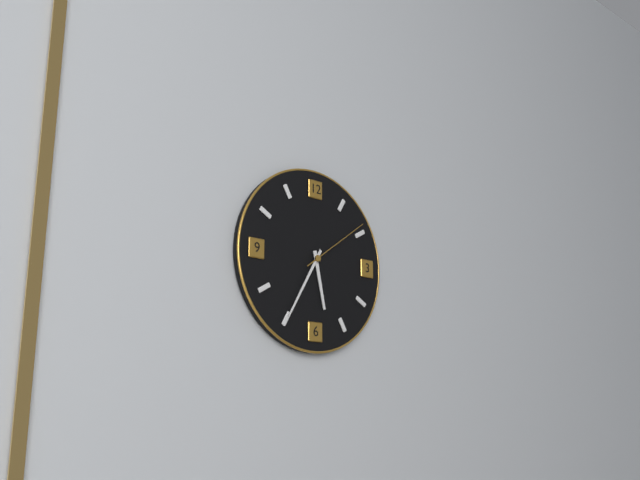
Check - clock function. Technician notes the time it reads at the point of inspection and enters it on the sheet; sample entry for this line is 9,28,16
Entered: 5,35,09
